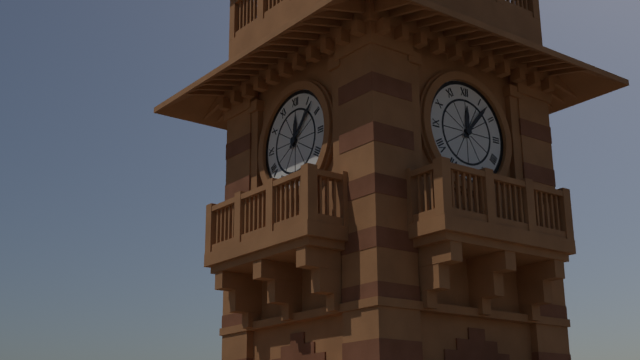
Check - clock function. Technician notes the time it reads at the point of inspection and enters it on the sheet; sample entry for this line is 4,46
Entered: 12,07
